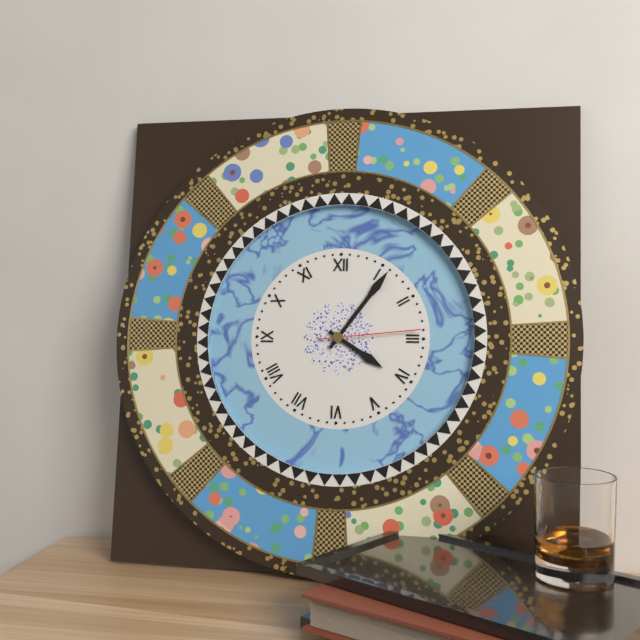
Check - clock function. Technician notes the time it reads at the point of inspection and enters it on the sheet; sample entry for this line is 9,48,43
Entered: 4,06,14
